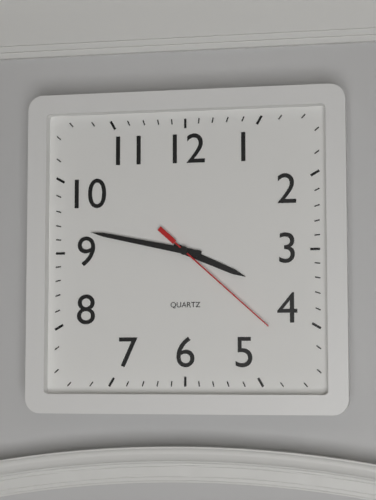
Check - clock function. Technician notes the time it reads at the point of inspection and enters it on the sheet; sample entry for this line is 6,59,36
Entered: 3,47,22
